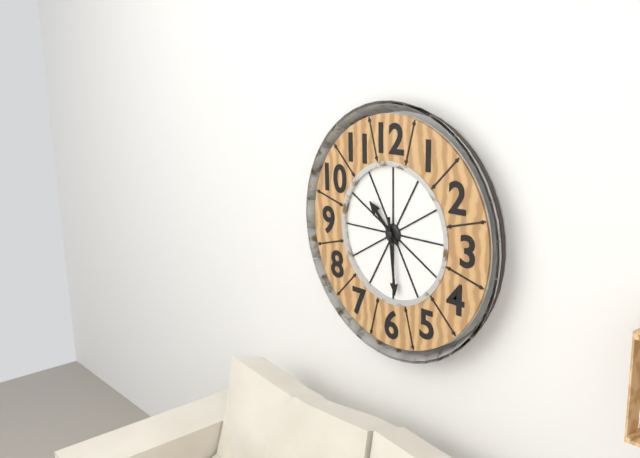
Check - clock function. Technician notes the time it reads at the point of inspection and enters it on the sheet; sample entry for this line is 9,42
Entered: 10,29
